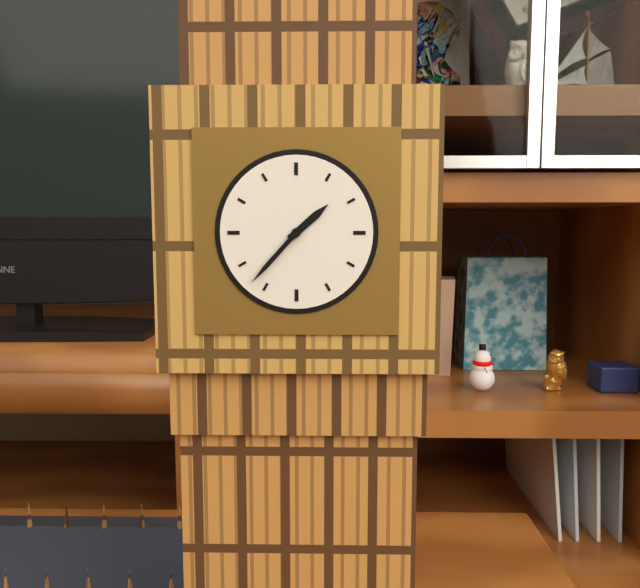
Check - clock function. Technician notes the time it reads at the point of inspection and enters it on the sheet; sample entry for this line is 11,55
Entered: 1,37
